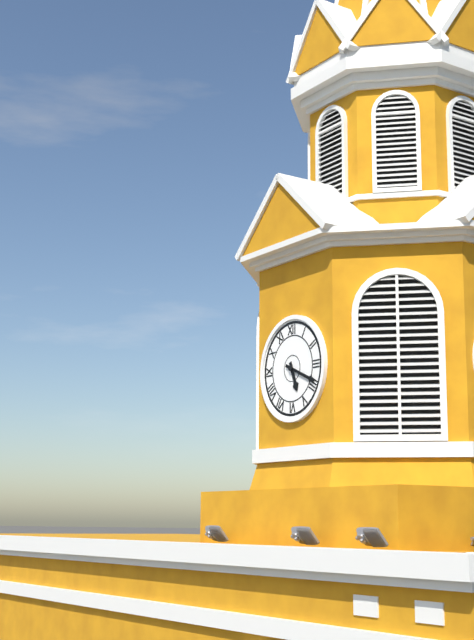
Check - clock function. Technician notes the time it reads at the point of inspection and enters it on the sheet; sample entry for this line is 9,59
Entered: 5,19
